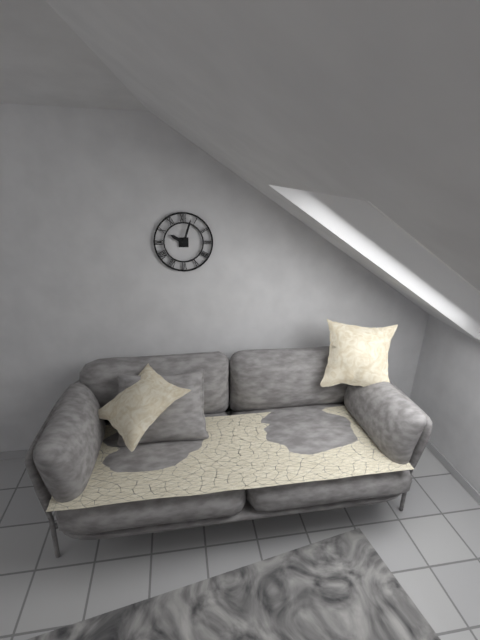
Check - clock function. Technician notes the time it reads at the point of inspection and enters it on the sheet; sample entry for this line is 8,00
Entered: 10,03
